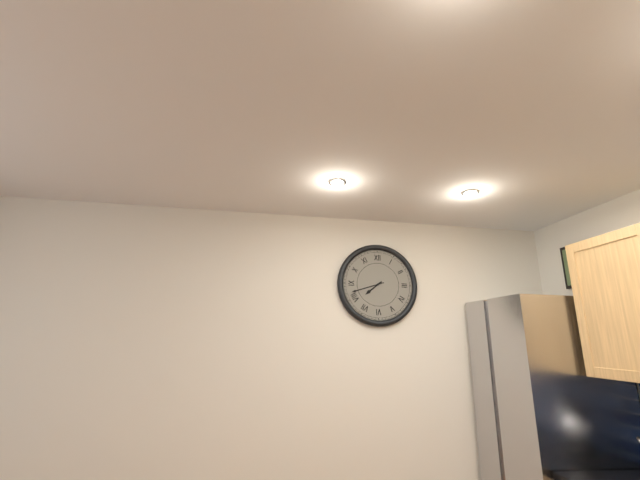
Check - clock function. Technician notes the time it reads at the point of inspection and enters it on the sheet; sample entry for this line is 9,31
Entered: 7,42
